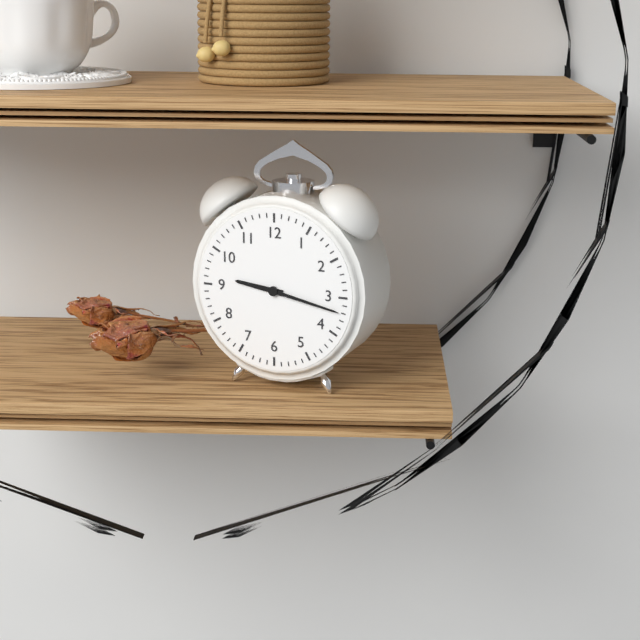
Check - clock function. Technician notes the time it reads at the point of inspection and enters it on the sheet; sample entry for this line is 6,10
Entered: 9,17
